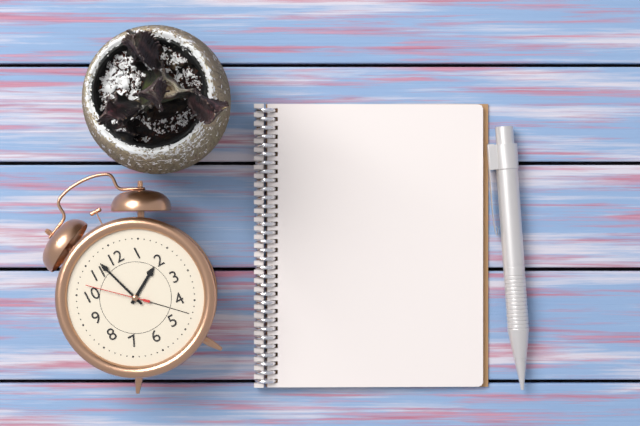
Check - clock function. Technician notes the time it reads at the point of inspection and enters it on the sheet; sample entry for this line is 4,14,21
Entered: 1,57,52
